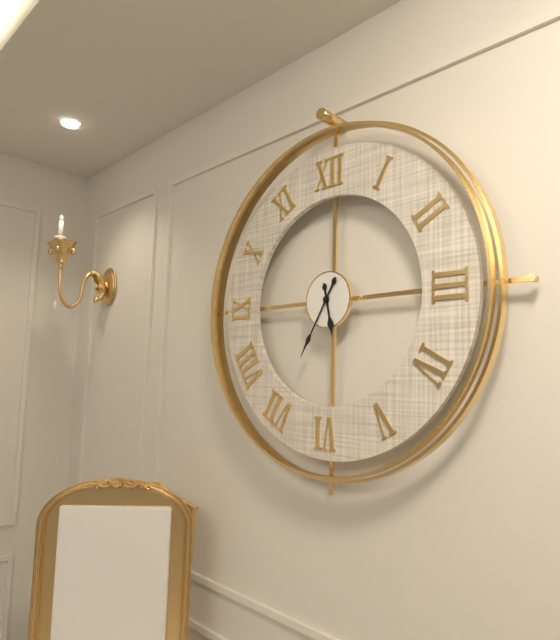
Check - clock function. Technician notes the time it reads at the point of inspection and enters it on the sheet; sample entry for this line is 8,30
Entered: 5,35
